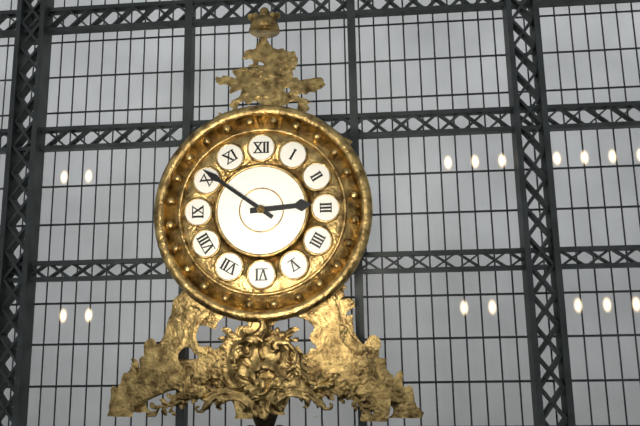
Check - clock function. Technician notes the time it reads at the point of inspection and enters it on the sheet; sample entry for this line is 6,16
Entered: 2,51
